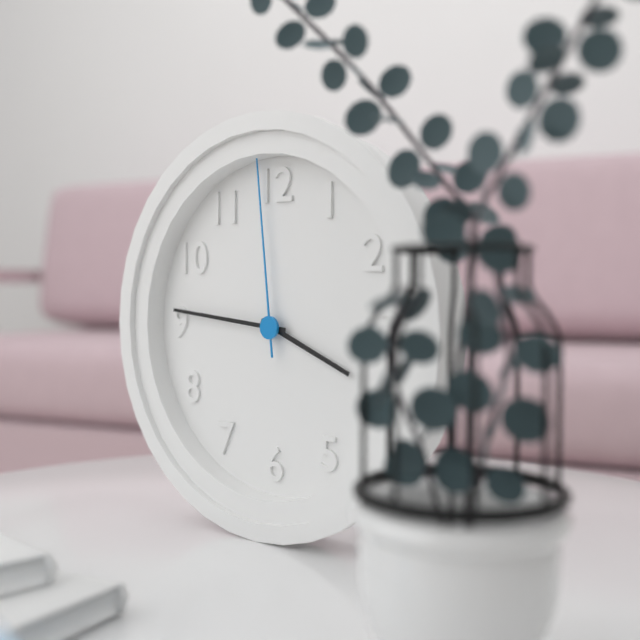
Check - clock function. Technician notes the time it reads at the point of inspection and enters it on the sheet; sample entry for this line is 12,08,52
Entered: 3,46,59
